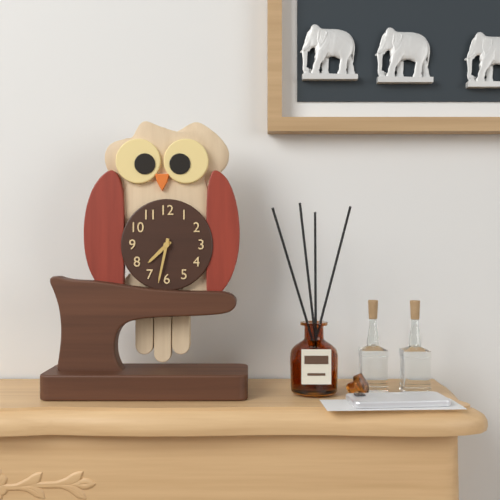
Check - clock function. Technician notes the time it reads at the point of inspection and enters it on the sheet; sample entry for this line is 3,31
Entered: 7,32
